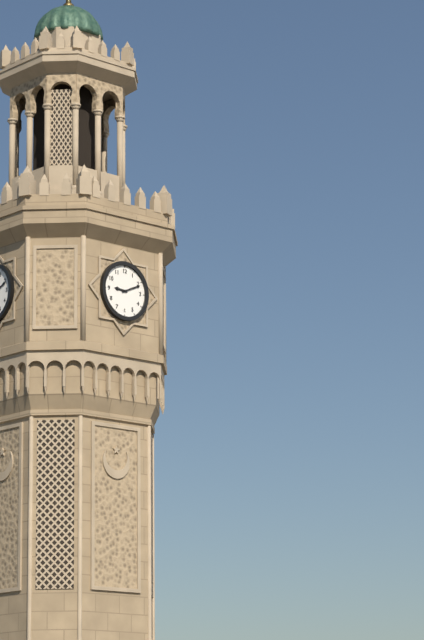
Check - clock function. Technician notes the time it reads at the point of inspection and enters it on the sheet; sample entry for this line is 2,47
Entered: 9,11
